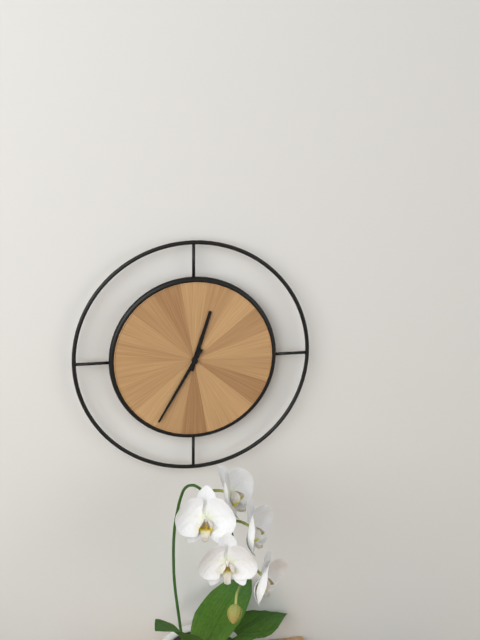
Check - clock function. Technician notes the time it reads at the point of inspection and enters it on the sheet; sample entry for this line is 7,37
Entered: 12,35
